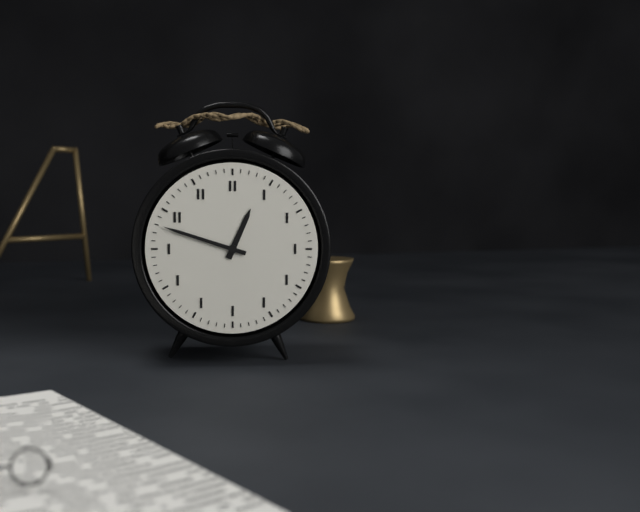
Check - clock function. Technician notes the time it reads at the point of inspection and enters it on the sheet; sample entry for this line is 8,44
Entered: 12,48
